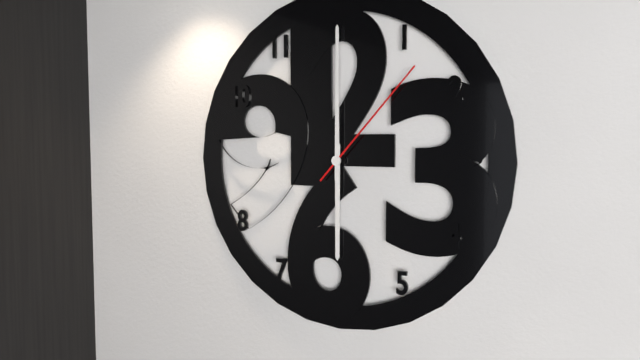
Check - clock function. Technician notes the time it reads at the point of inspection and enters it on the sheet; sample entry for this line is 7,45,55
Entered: 6,00,07
